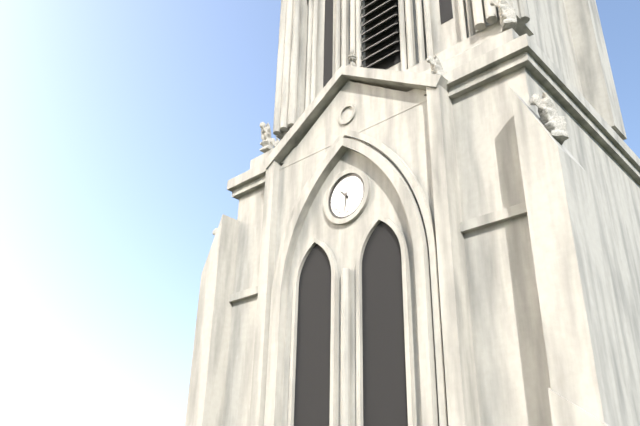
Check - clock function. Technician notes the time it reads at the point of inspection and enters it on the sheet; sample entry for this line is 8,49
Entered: 10,31
